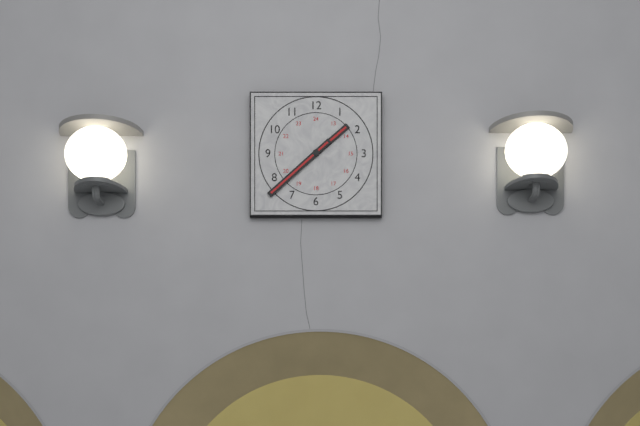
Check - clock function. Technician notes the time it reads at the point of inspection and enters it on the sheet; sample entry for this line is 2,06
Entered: 1,38
